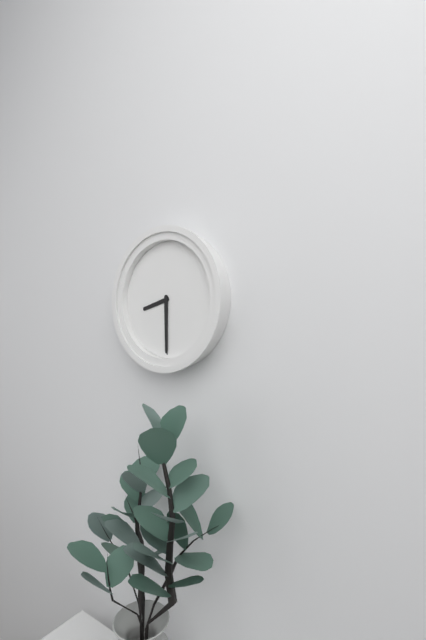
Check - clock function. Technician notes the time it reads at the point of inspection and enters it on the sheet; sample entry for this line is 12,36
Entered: 8,30
